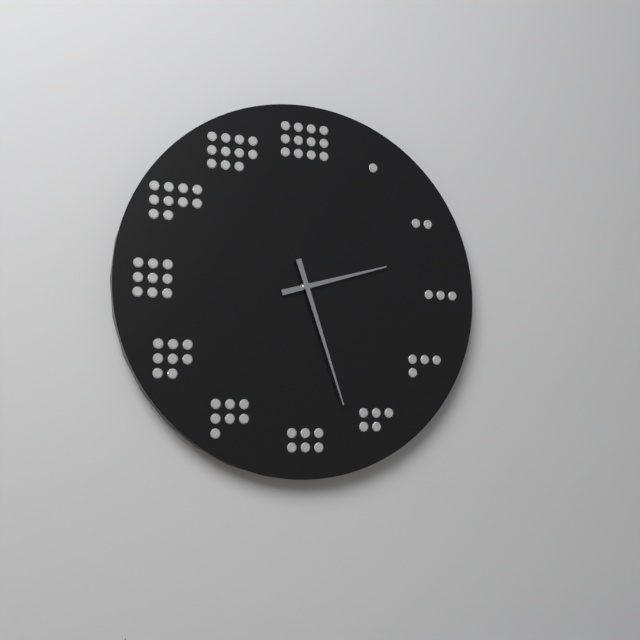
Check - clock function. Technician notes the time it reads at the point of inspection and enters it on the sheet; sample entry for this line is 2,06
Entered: 2,27
